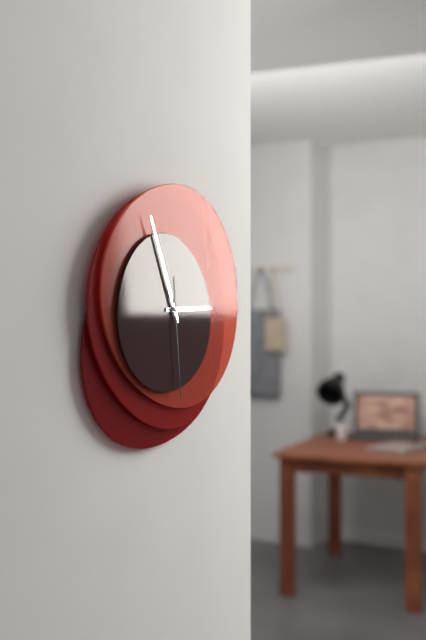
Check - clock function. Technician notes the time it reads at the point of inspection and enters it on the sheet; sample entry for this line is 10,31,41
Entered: 2,56,29
